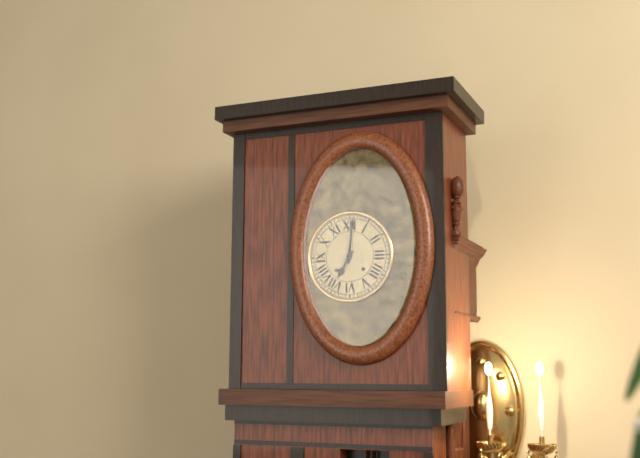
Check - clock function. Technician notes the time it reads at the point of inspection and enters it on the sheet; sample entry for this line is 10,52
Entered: 7,01
